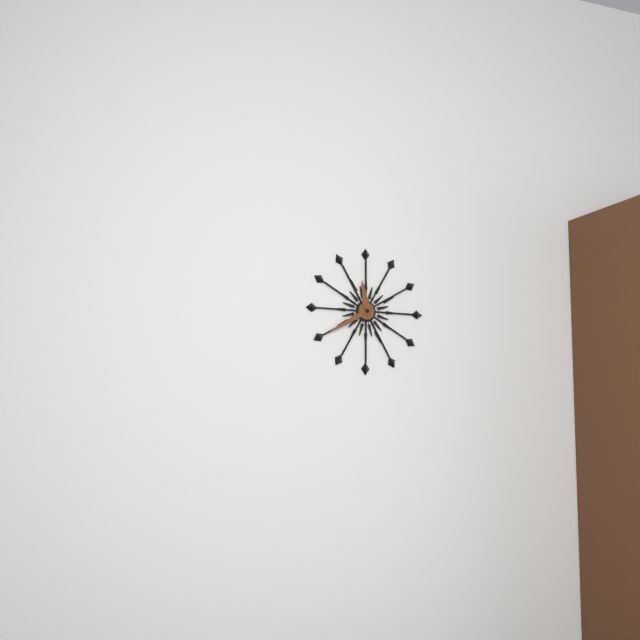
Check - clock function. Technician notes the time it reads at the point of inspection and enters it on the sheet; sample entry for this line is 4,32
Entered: 11,40
